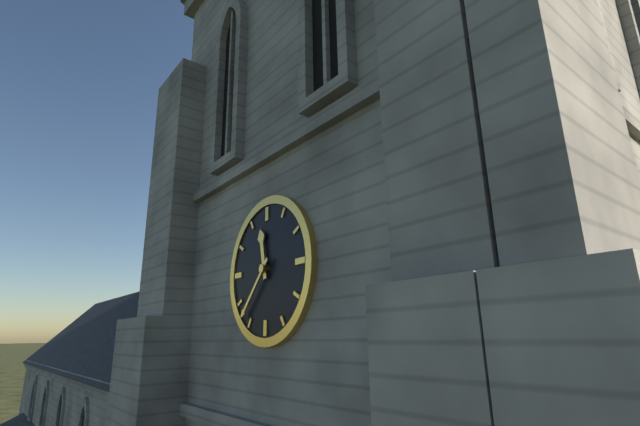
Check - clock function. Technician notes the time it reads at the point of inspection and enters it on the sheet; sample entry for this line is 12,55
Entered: 11,37
